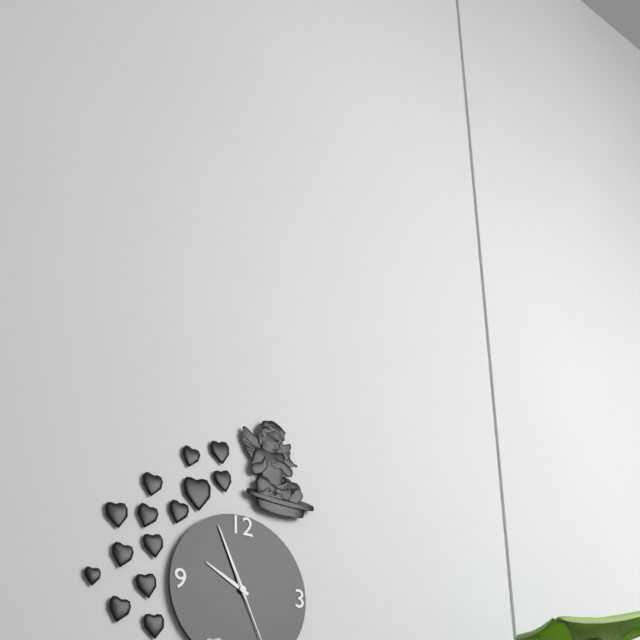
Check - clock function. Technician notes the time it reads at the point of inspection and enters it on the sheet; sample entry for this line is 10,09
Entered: 9,56
